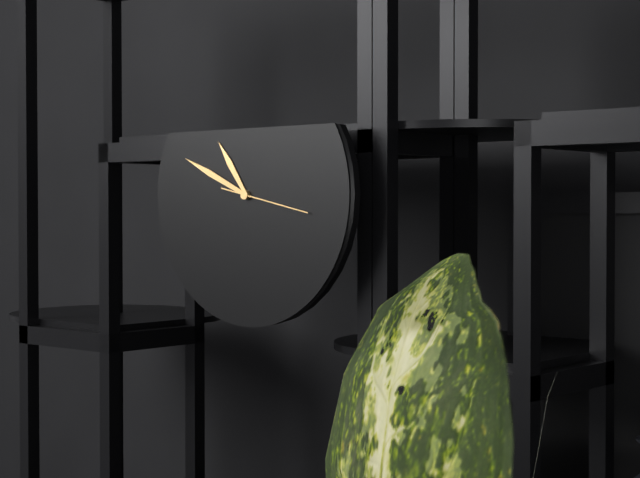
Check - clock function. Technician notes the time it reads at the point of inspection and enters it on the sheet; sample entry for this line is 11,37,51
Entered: 10,49,17
